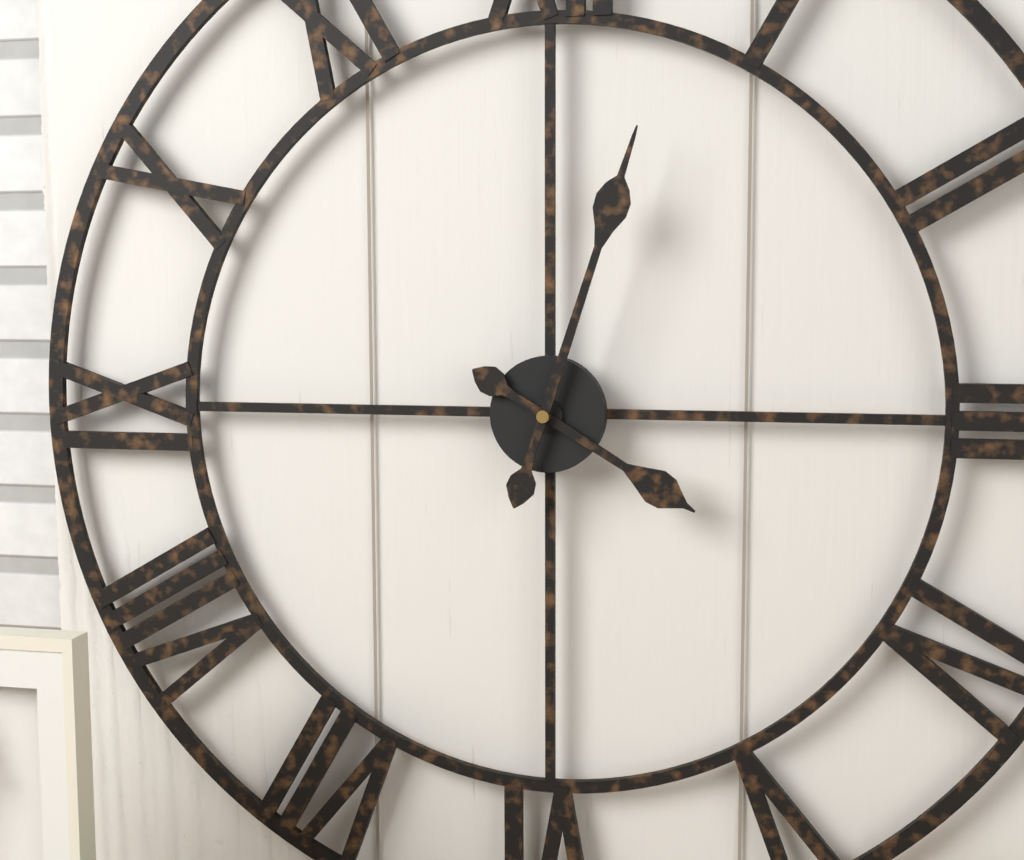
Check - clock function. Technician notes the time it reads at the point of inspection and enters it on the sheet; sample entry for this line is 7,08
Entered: 4,03
